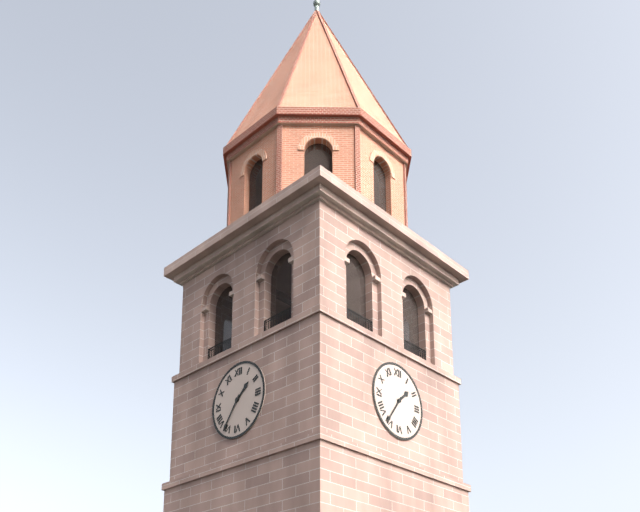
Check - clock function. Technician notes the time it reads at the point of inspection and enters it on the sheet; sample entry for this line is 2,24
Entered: 1,36
